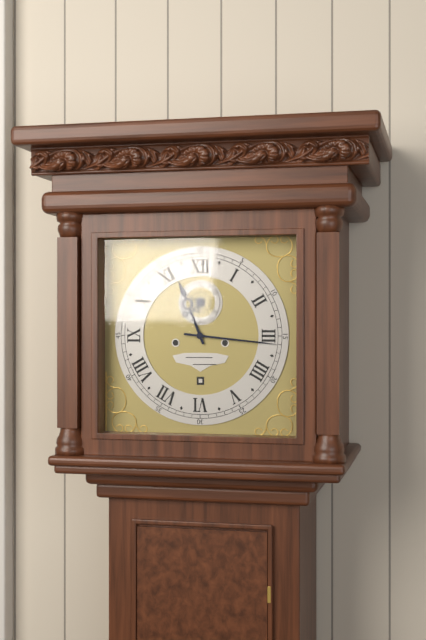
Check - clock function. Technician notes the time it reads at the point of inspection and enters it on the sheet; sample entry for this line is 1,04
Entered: 11,16
